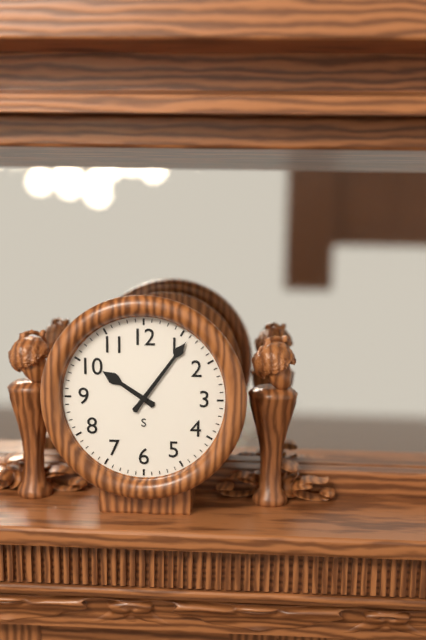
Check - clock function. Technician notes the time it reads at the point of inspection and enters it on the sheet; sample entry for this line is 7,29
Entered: 10,06
